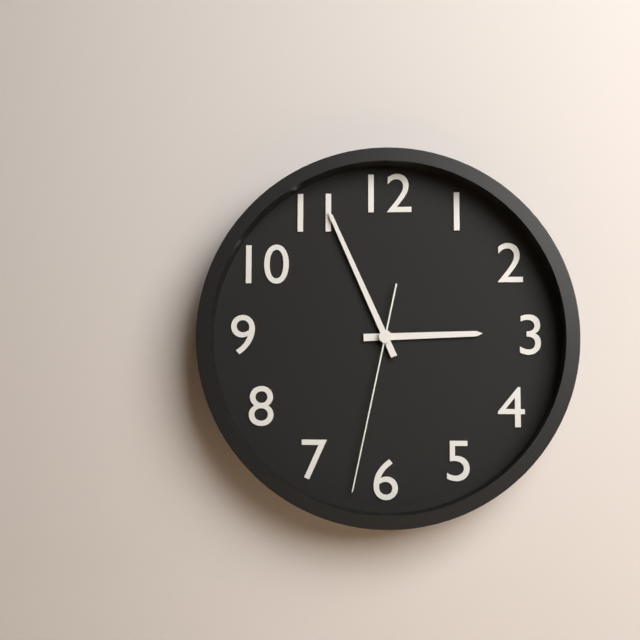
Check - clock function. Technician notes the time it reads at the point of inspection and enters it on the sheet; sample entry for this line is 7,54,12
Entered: 2,56,32
